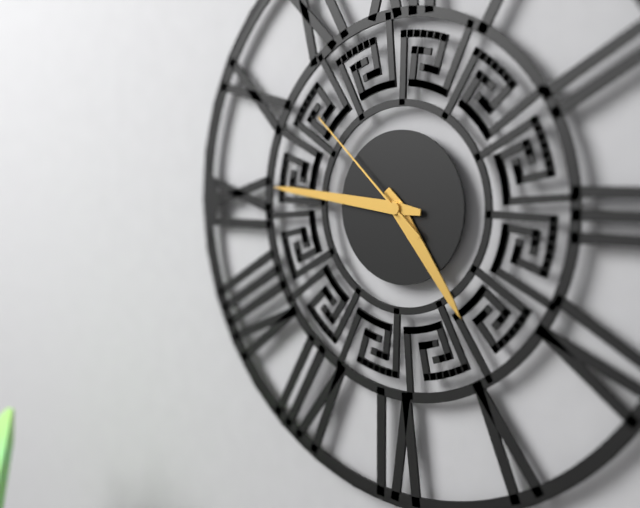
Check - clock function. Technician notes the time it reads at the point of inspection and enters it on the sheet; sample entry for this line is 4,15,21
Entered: 4,46,52
